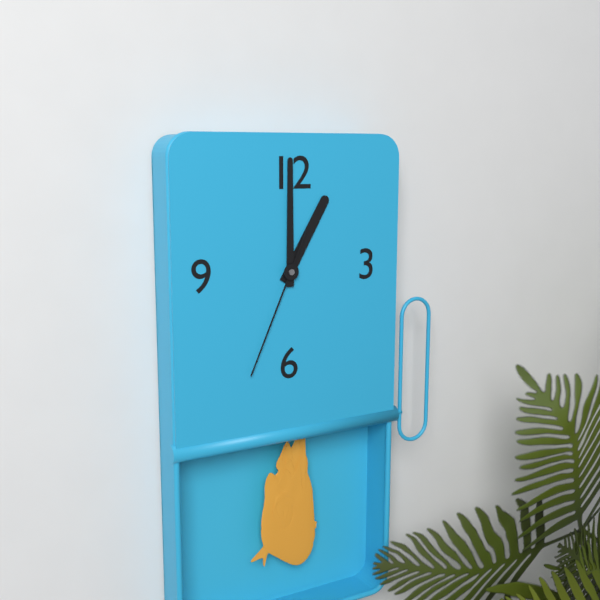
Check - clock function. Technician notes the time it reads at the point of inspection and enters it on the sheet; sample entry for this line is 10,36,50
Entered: 1,00,34
